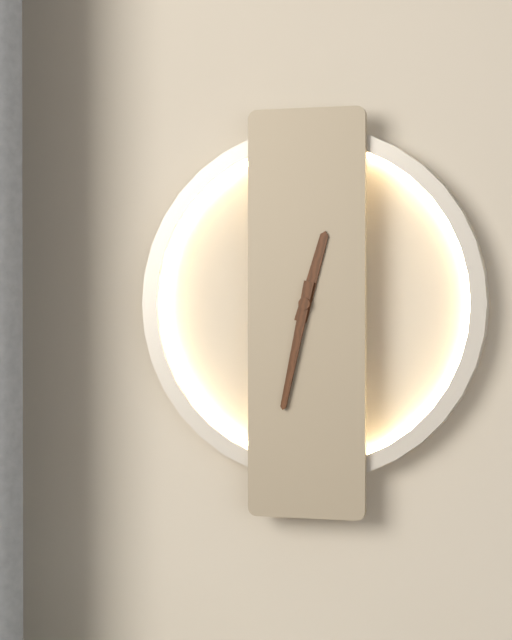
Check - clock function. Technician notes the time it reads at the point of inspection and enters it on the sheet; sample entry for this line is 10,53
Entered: 12,32
